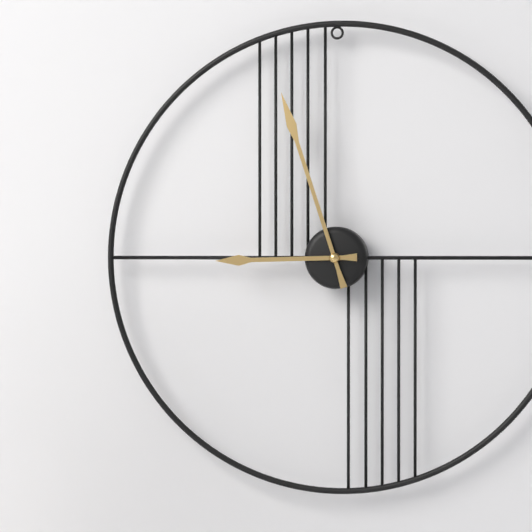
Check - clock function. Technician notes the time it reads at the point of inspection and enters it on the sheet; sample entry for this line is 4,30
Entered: 8,57
